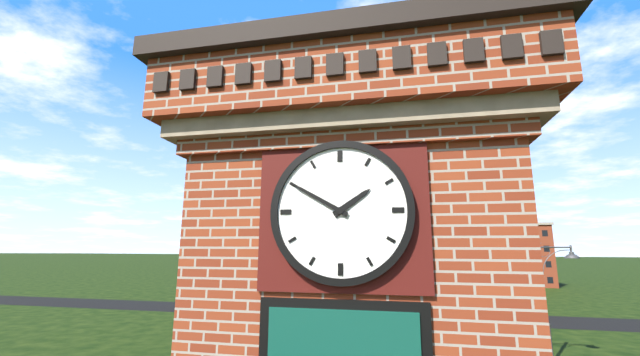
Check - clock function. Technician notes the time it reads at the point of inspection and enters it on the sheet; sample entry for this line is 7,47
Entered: 1,50
